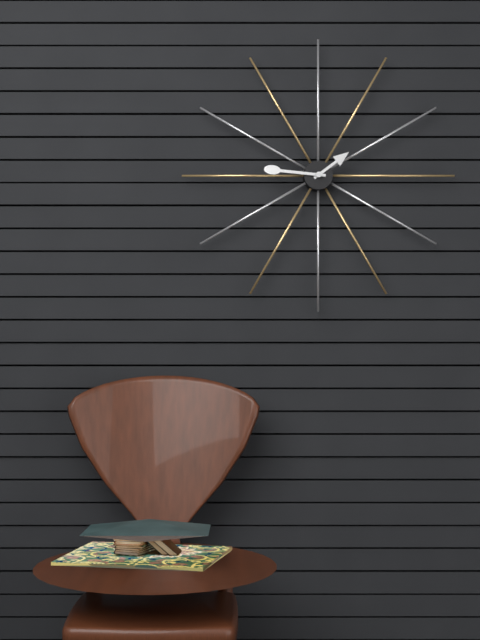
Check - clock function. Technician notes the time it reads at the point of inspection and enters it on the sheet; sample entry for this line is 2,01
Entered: 1,46
